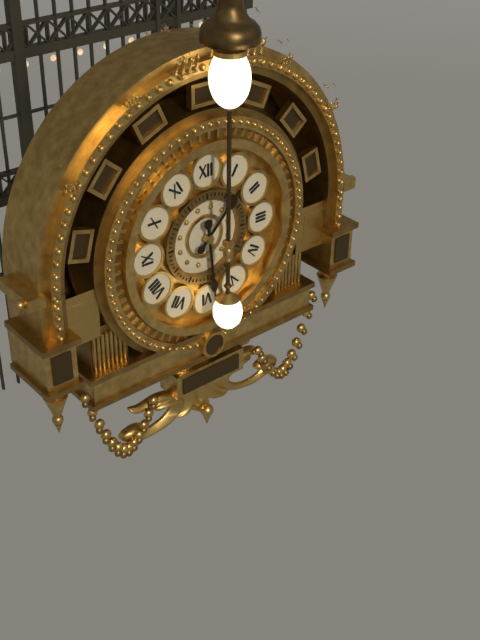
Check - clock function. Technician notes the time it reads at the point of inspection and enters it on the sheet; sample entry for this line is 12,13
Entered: 1,29
